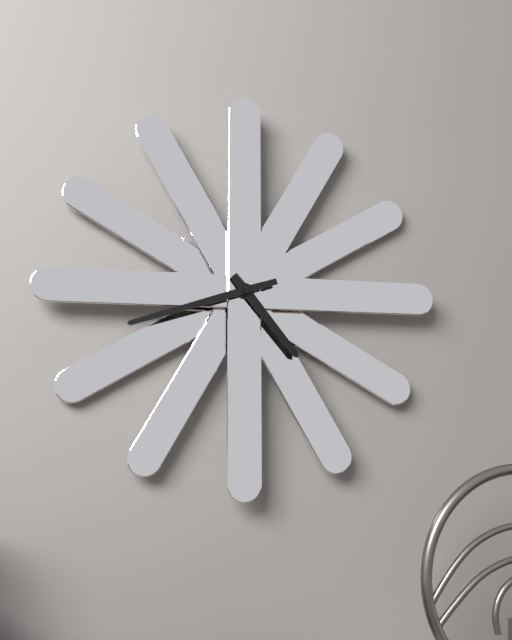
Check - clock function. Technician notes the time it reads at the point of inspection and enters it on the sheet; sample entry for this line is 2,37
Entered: 4,42
